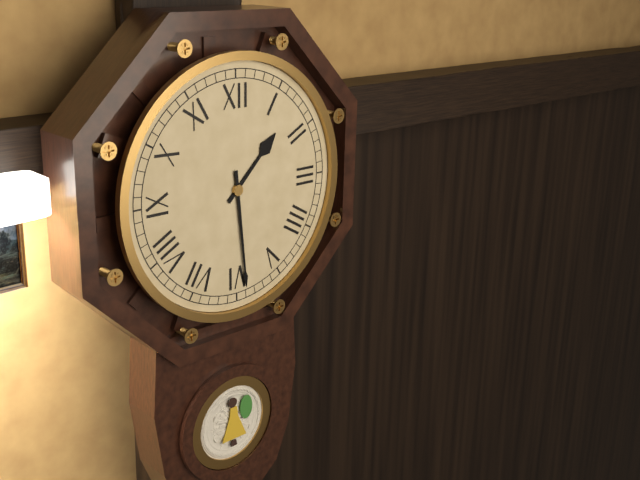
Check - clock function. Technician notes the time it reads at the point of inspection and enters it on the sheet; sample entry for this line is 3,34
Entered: 1,29
